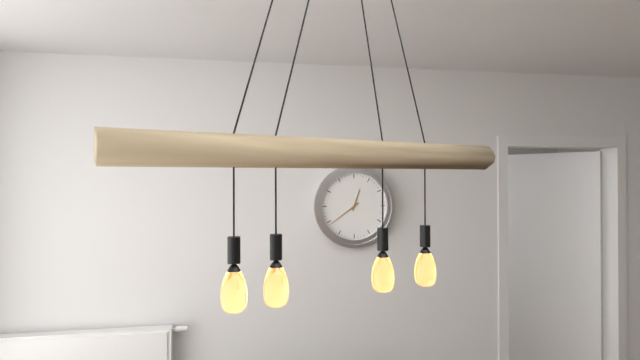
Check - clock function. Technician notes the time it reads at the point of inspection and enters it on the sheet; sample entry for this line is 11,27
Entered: 12,39
